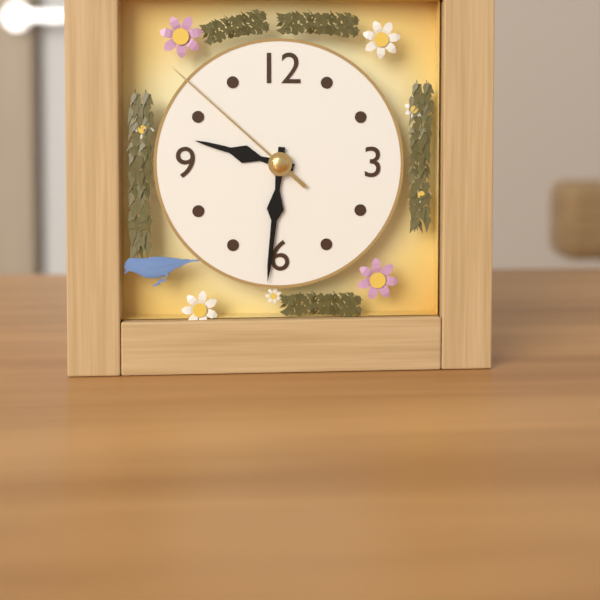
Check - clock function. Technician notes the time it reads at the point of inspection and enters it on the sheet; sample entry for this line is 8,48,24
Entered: 9,31,52
